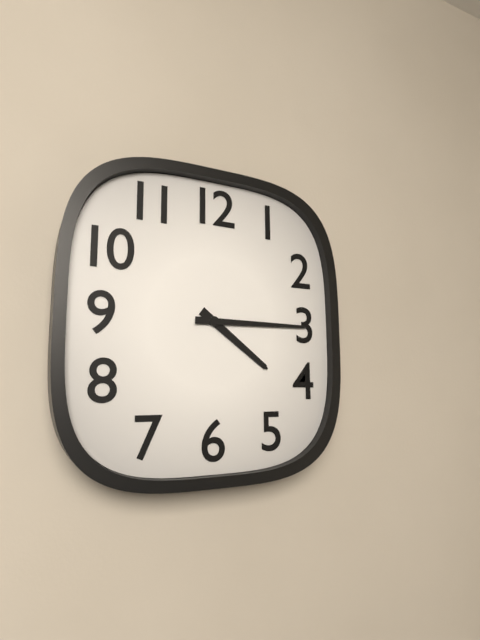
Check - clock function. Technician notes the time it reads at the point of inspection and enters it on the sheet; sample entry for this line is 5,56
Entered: 4,15
